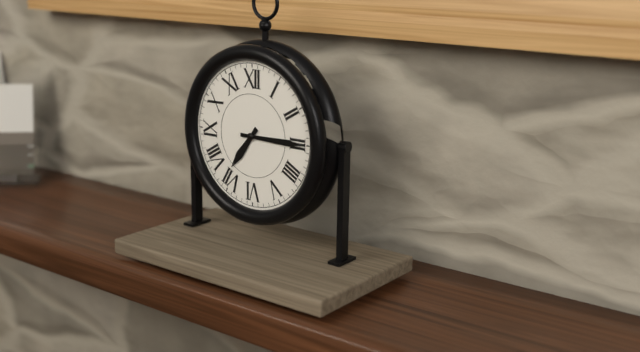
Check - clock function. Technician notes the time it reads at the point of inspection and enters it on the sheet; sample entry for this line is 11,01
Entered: 7,15
